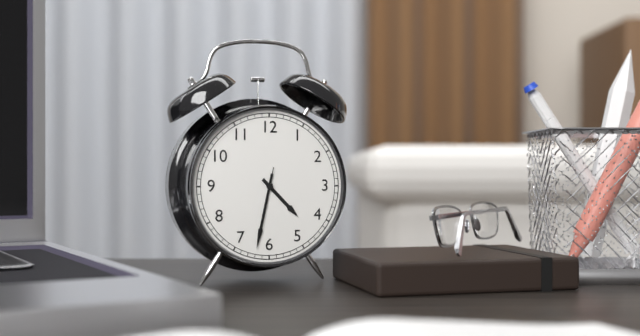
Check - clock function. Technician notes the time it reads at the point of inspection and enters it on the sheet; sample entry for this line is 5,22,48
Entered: 4,32,32
